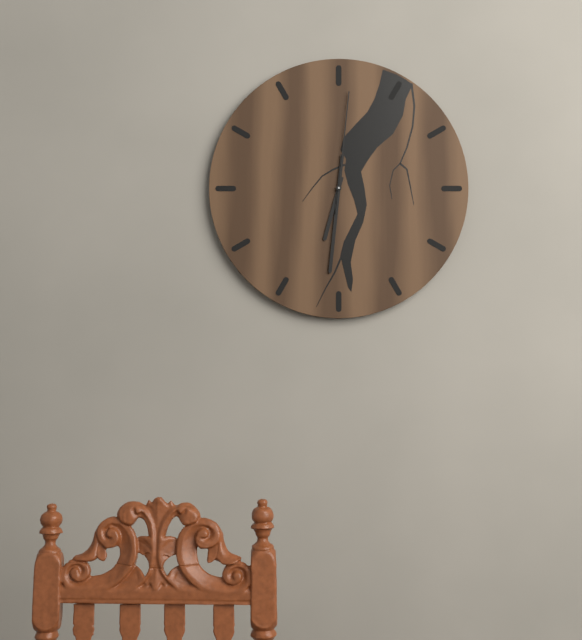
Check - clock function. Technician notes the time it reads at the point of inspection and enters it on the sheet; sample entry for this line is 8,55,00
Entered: 6,31,01
